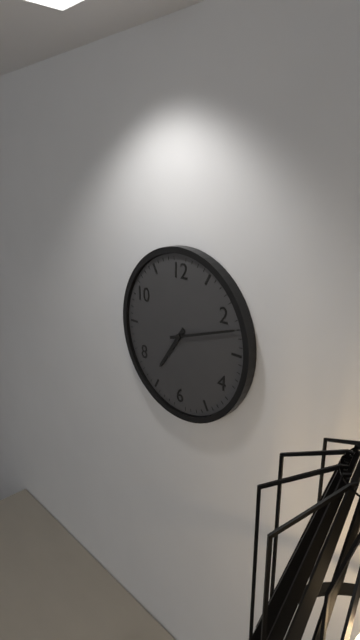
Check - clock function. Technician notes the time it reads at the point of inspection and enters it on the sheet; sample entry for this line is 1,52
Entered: 7,12
